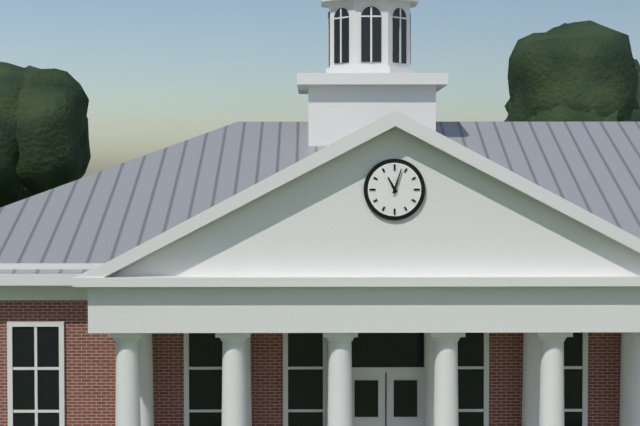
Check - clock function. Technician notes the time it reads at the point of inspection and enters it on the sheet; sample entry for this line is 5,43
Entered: 11,03
